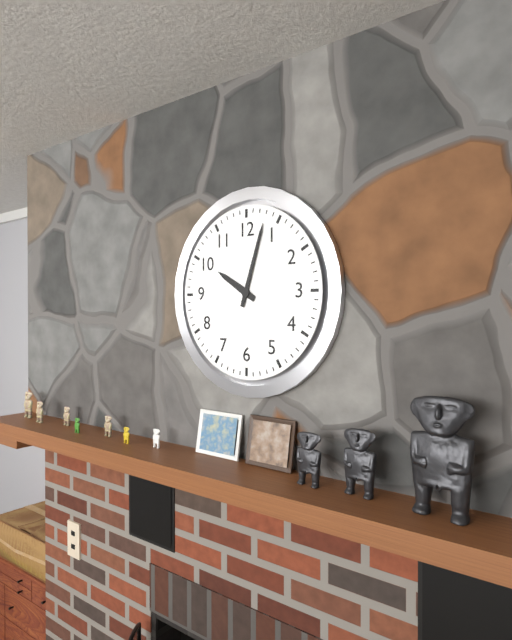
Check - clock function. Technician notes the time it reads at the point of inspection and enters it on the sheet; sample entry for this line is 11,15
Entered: 10,03
